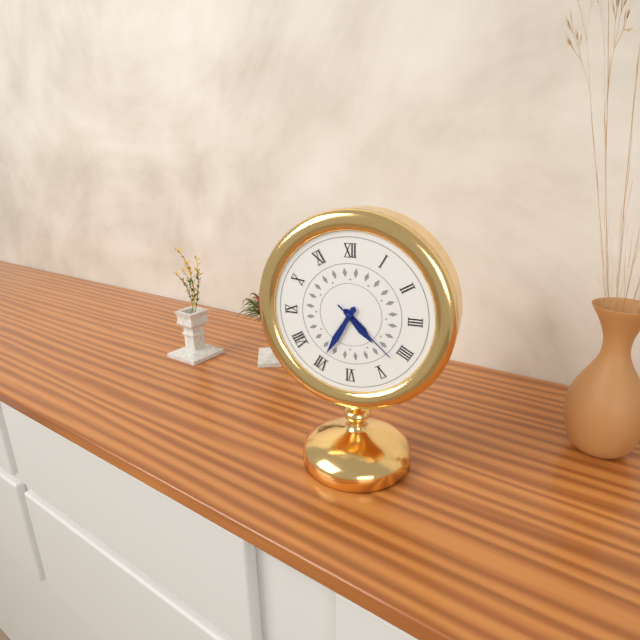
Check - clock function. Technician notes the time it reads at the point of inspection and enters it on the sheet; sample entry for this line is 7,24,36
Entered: 4,35,22
